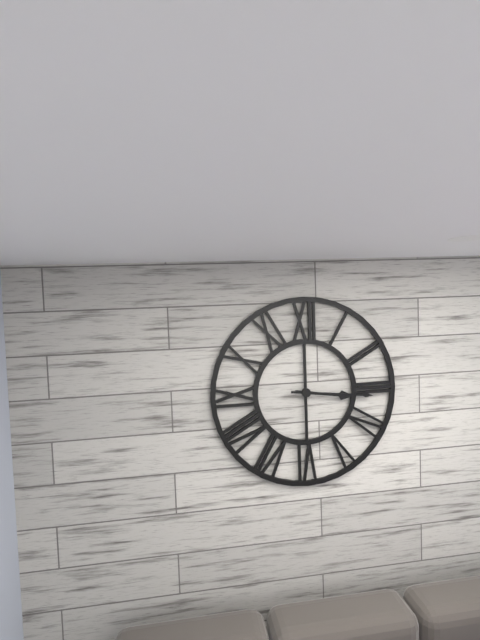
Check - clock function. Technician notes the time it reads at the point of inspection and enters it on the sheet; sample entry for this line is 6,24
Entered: 3,16
